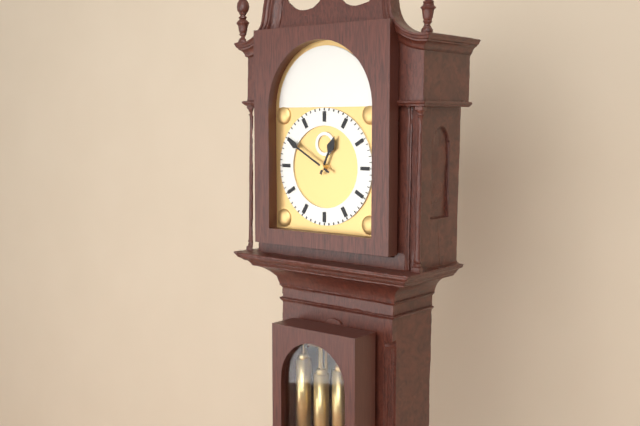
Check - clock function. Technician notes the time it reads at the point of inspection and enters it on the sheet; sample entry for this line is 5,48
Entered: 12,50
